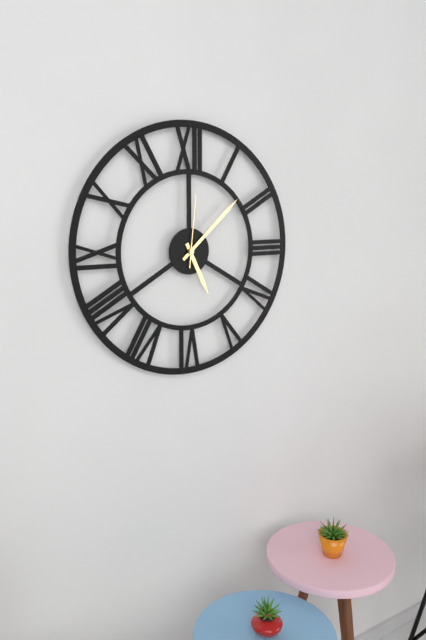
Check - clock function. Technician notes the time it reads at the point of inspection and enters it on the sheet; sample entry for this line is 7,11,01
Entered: 5,08,01
